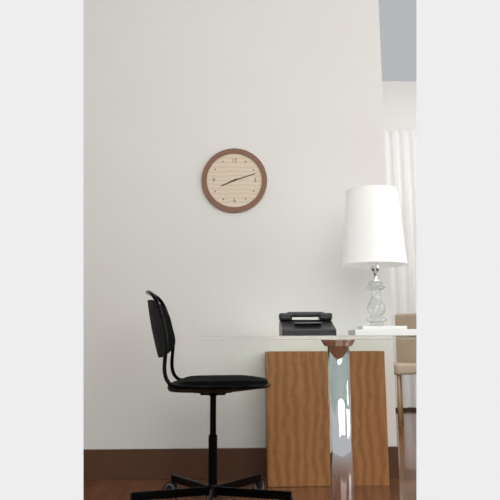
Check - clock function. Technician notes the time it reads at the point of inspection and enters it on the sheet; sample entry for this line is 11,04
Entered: 8,12
